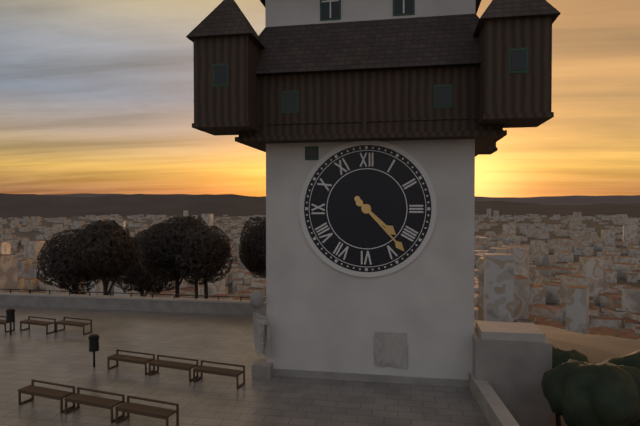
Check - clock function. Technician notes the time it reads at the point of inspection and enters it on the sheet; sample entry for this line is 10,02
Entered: 4,23
